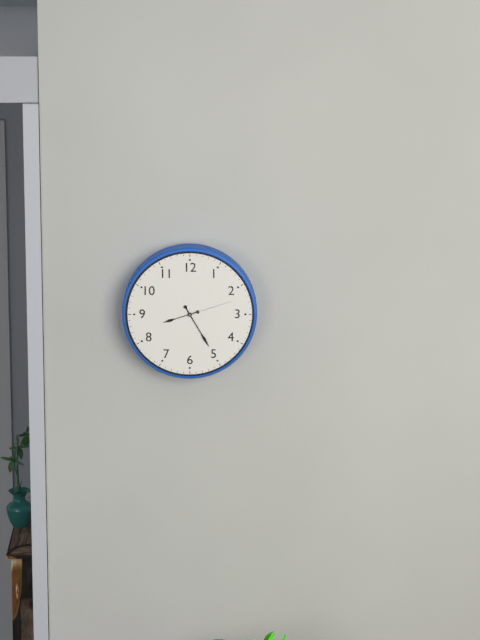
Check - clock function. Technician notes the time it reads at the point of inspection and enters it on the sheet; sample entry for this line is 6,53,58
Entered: 8,25,12
